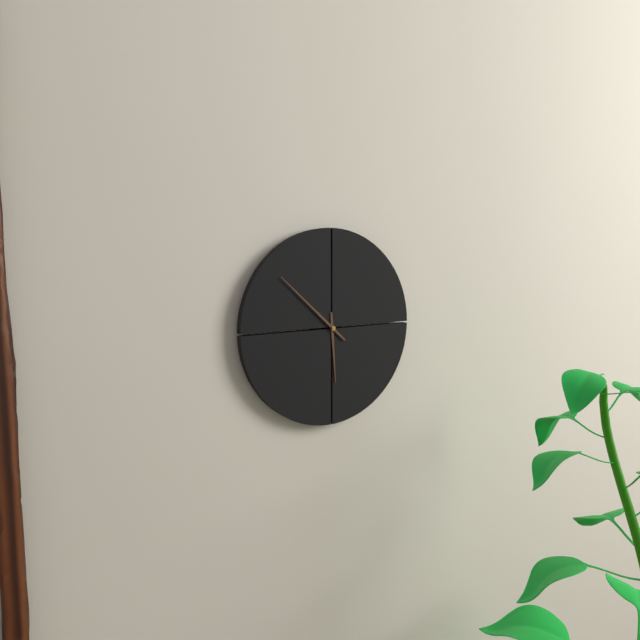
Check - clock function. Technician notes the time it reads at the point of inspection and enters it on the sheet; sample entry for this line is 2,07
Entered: 5,52
